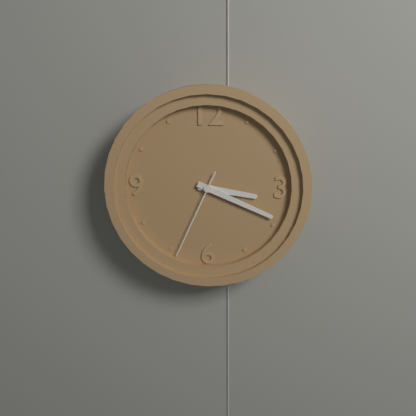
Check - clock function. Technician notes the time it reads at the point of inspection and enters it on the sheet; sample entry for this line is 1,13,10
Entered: 3,19,34
